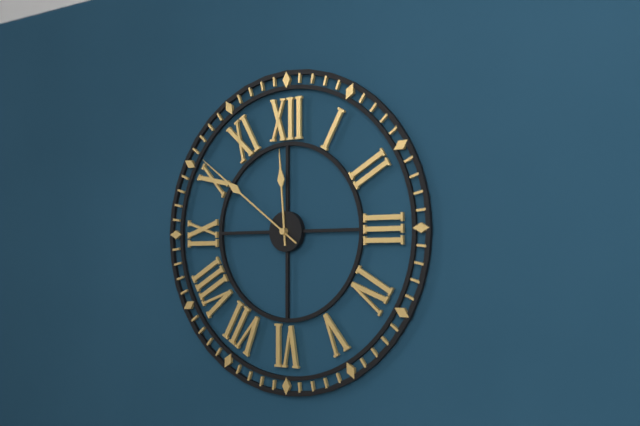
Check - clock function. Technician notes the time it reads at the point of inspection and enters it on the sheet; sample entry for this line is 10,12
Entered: 11,51
